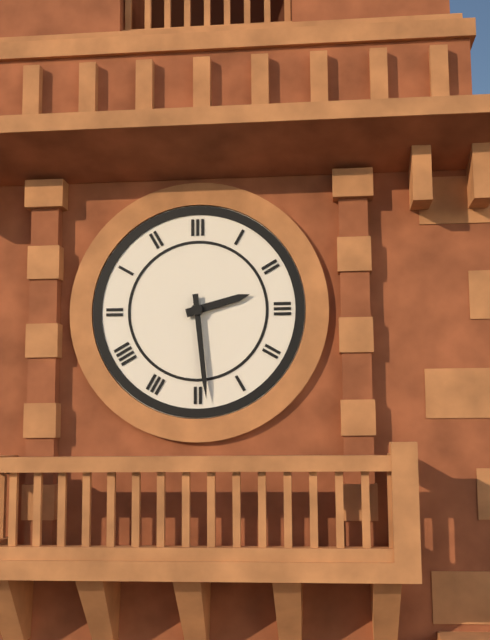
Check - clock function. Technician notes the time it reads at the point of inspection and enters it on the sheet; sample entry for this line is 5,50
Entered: 2,29
